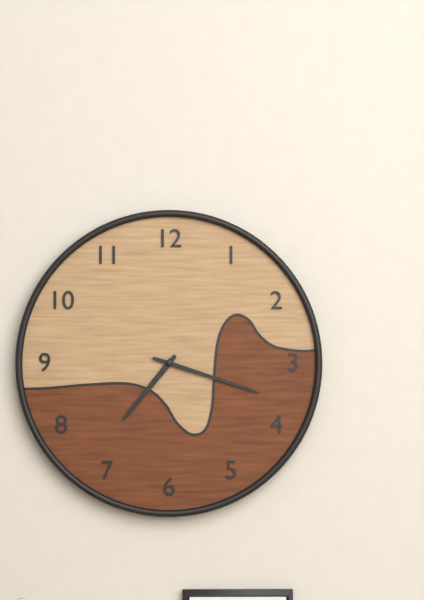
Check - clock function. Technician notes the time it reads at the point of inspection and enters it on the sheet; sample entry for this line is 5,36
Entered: 7,18
